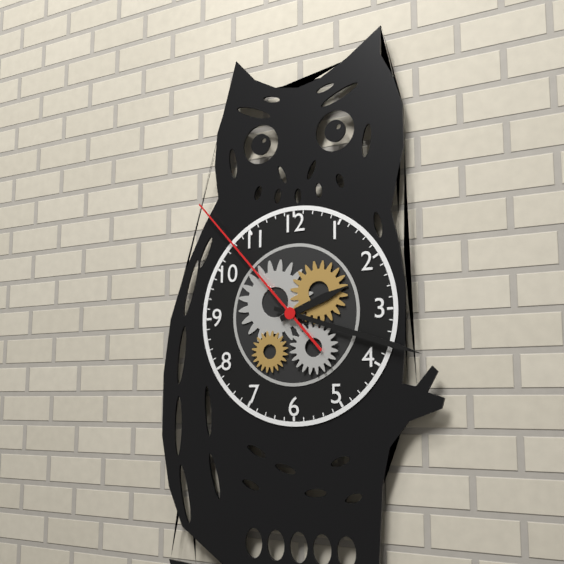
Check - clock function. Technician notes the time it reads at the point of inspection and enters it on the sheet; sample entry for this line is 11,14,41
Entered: 2,18,53
